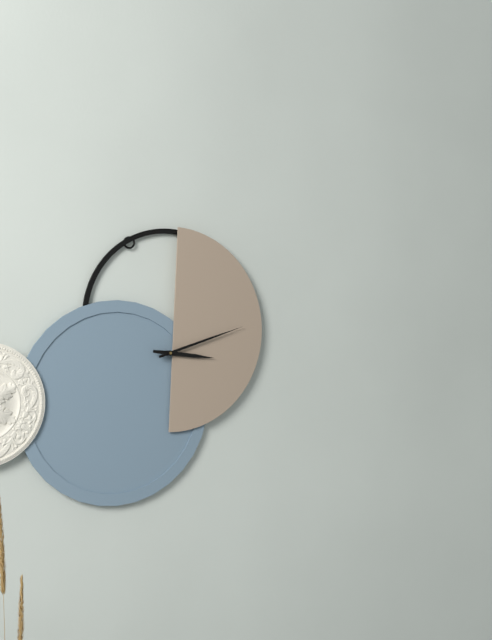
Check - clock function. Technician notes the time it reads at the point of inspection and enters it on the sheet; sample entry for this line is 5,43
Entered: 3,12
